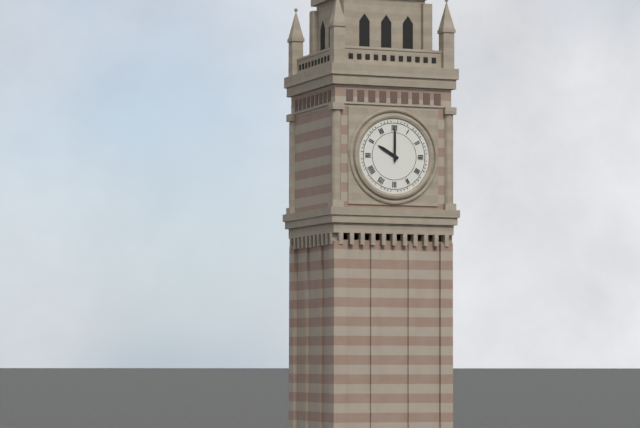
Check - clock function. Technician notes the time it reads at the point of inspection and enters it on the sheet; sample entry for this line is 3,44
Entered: 10,00
